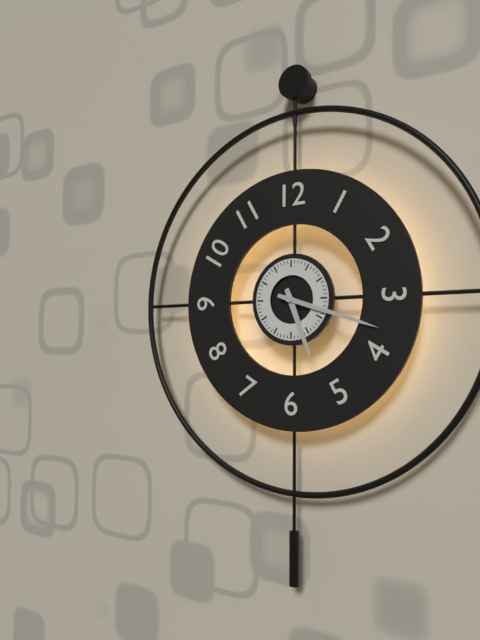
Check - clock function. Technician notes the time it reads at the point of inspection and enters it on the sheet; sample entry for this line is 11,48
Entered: 5,18
